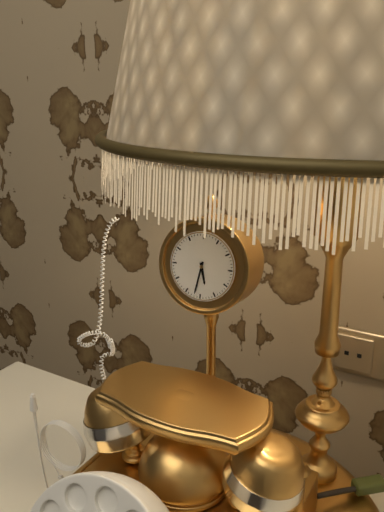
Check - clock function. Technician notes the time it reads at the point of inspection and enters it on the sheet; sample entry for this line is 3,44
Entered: 5,32
